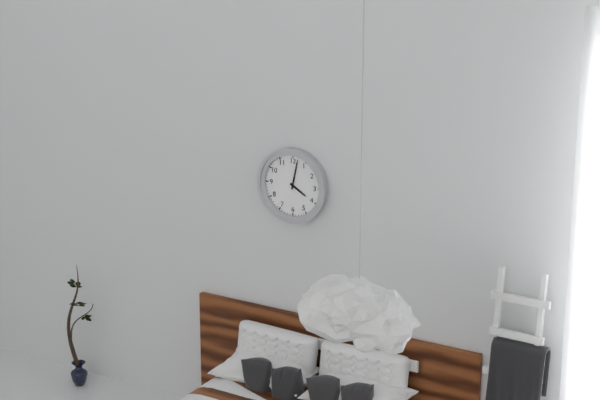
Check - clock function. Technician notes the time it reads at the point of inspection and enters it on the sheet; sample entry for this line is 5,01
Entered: 4,02
